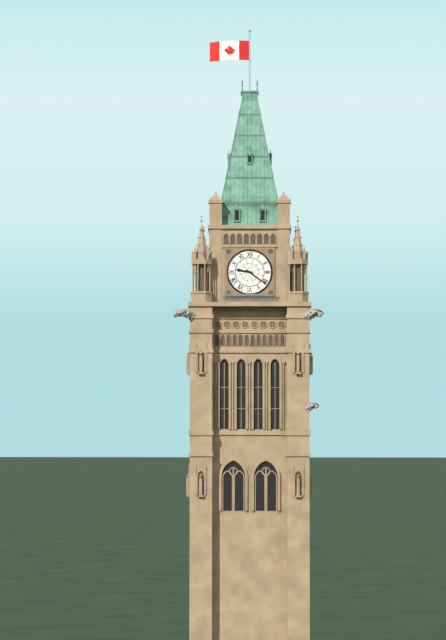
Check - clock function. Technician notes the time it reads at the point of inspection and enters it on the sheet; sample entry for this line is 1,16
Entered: 9,21
